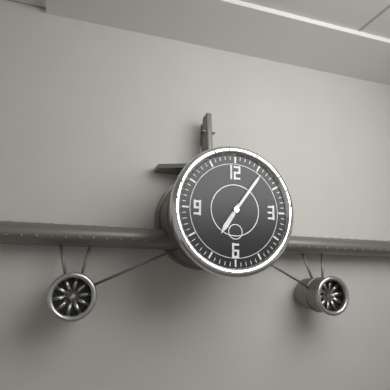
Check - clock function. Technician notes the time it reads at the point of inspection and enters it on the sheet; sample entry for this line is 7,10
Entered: 7,06
